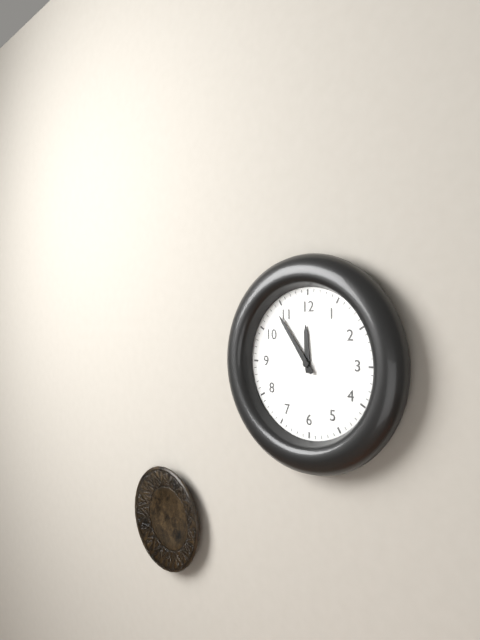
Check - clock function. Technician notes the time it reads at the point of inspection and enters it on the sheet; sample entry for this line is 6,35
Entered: 11,54
